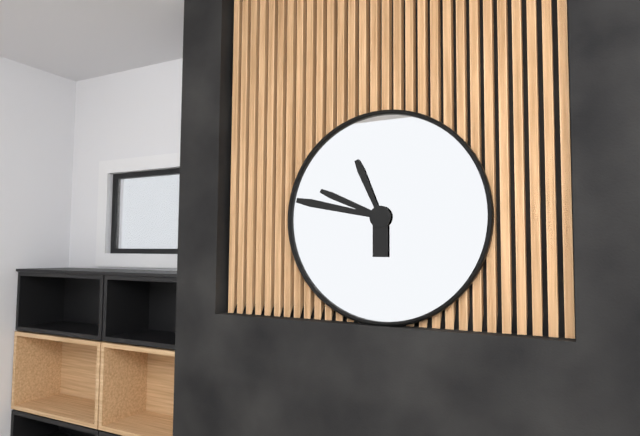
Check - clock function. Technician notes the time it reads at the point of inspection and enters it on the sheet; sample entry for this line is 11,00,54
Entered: 9,47,56
